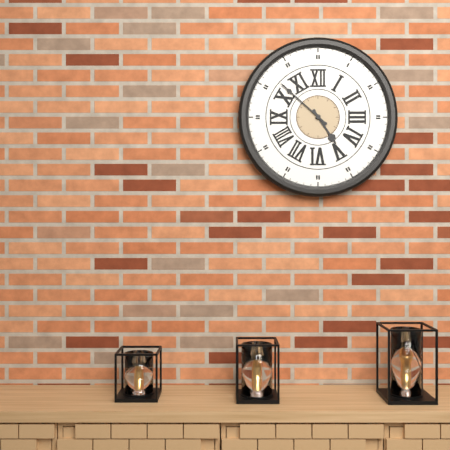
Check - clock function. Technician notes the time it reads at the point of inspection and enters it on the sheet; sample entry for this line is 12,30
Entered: 4,52
